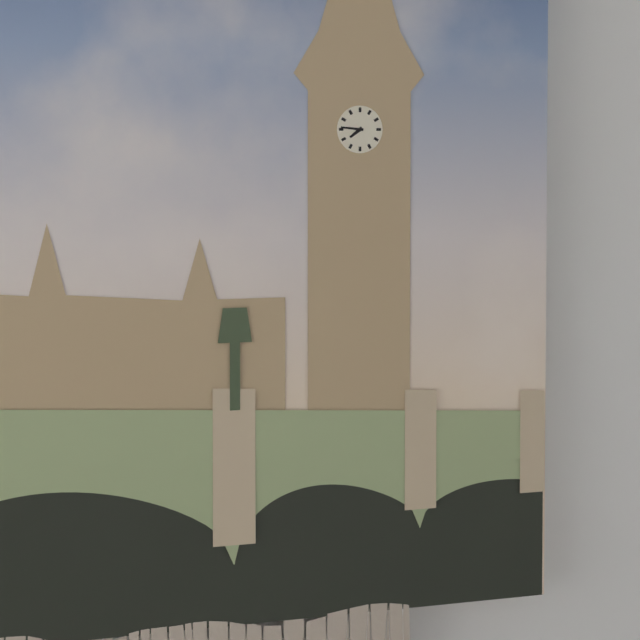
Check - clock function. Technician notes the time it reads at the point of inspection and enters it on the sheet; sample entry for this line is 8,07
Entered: 7,46
